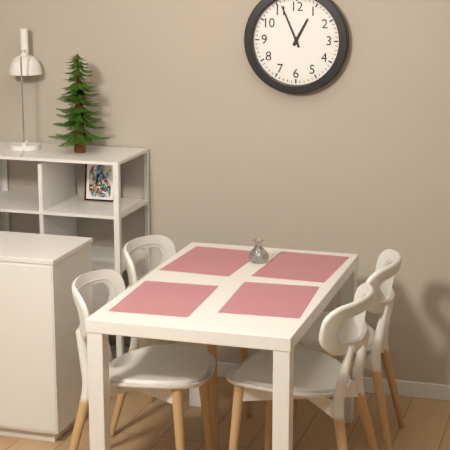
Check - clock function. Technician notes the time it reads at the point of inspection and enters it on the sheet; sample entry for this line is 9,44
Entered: 12,56
